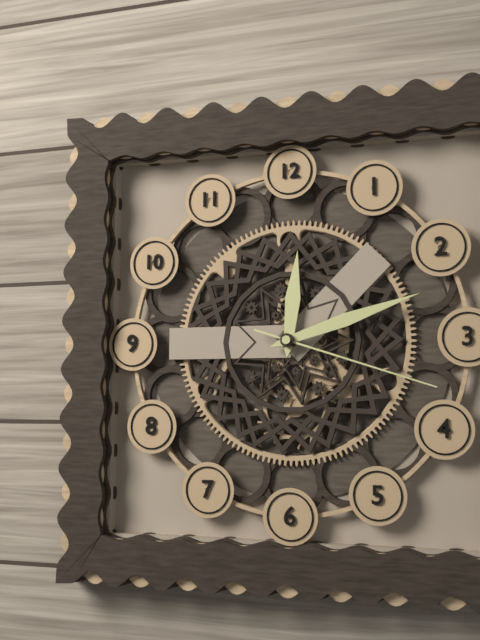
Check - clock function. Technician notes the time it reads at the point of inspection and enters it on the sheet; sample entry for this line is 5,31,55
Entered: 12,12,18
